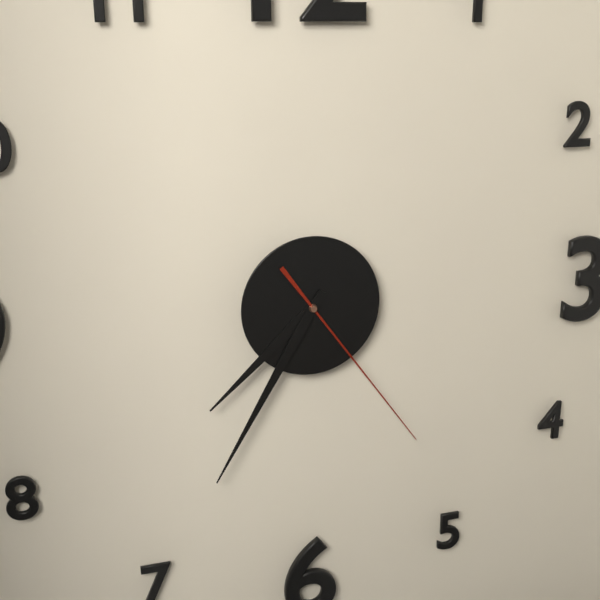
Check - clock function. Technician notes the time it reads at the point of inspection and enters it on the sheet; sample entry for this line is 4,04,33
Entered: 7,35,24
